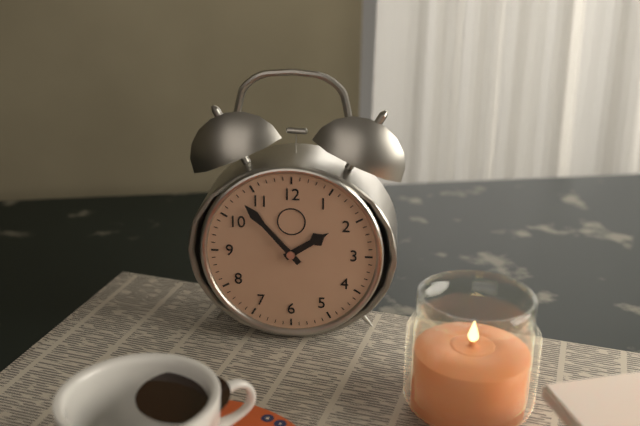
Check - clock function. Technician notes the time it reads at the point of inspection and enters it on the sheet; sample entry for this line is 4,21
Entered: 1,53
